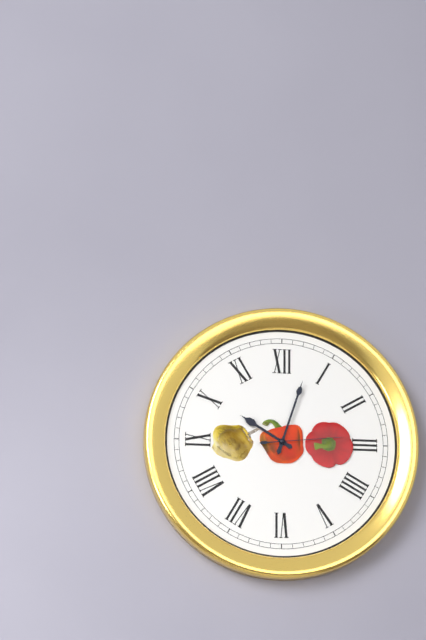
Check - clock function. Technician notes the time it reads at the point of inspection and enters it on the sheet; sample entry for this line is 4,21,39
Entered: 10,03,14
